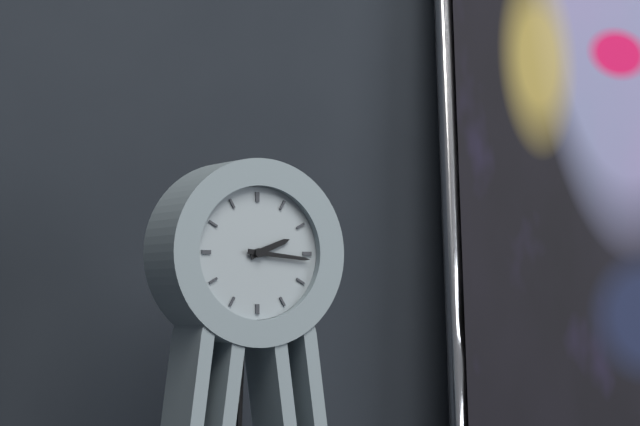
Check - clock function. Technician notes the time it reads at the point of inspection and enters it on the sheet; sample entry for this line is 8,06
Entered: 2,16
